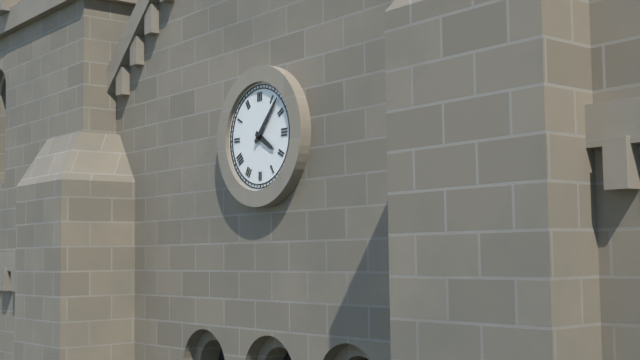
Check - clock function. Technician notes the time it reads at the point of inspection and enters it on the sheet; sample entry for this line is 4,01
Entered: 4,07
